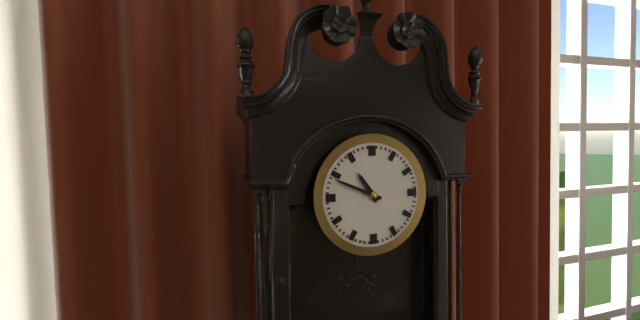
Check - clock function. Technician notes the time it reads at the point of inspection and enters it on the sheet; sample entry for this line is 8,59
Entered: 10,49
